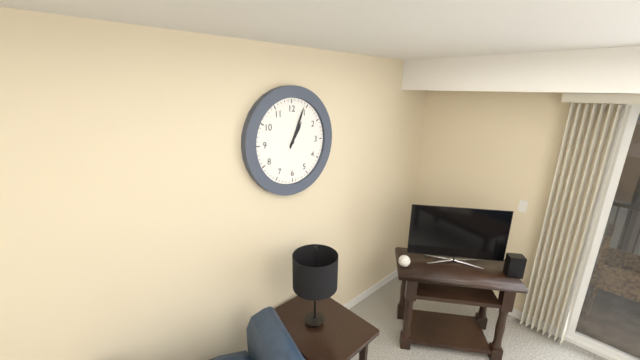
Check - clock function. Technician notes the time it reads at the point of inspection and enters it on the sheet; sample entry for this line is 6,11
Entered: 1,04
